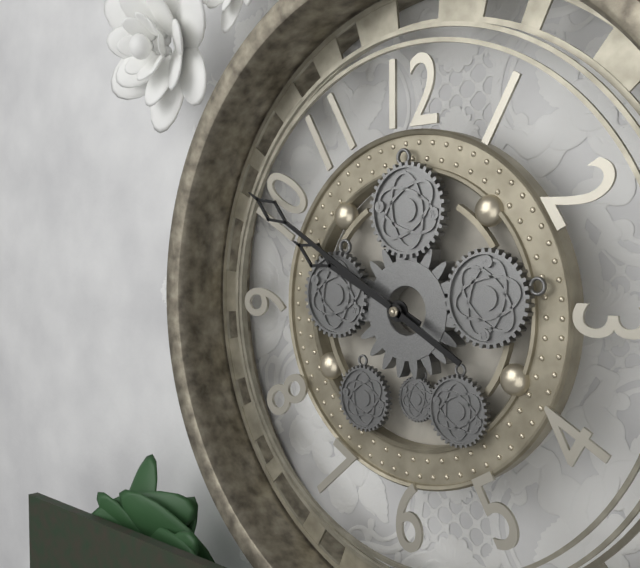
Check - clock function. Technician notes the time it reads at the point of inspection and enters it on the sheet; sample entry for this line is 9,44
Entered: 9,50
